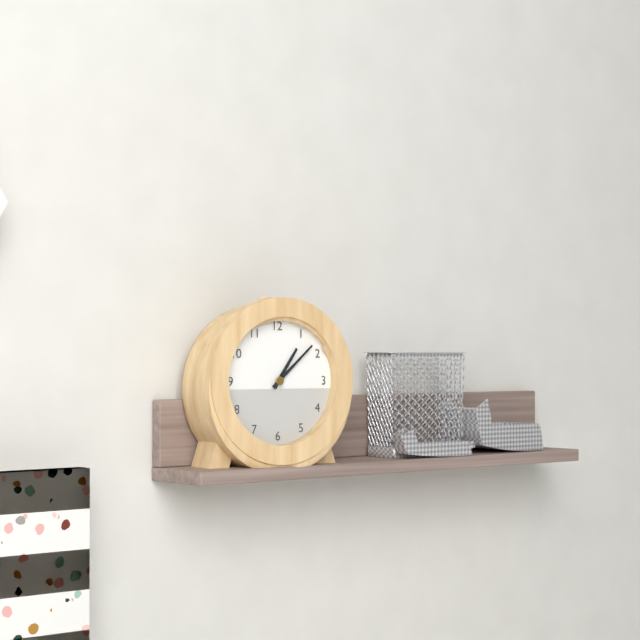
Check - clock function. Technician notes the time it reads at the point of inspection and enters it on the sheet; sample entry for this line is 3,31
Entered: 1,08
